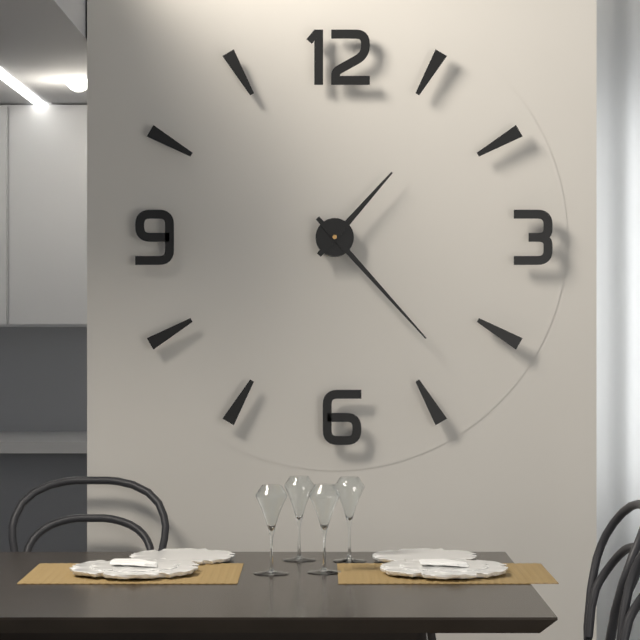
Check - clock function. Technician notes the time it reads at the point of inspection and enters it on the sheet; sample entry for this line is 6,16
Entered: 1,23
